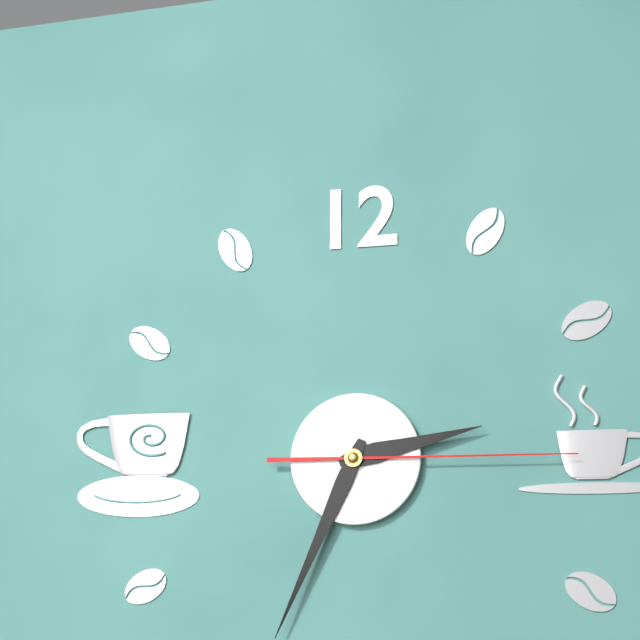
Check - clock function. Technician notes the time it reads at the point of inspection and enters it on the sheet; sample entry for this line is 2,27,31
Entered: 2,34,15
